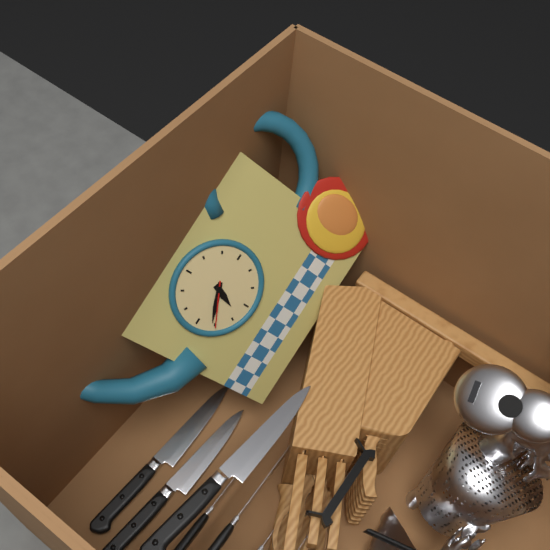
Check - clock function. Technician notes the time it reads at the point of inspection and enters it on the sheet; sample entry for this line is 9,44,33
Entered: 6,41,40
